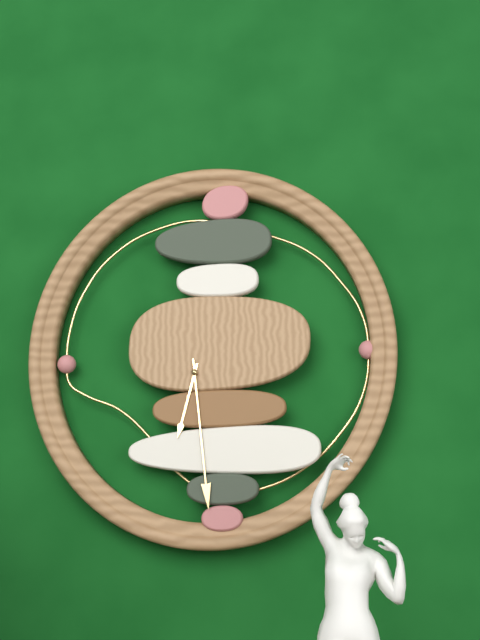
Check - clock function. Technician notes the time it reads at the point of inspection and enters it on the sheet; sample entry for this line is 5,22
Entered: 6,29
